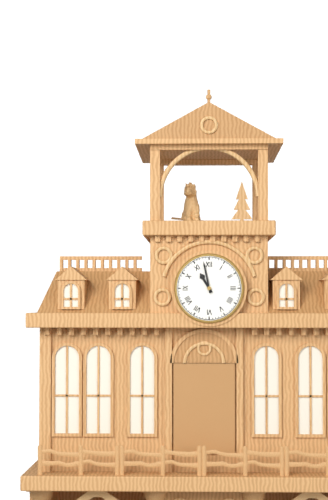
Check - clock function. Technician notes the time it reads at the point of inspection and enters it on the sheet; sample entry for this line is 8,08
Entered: 10,58
